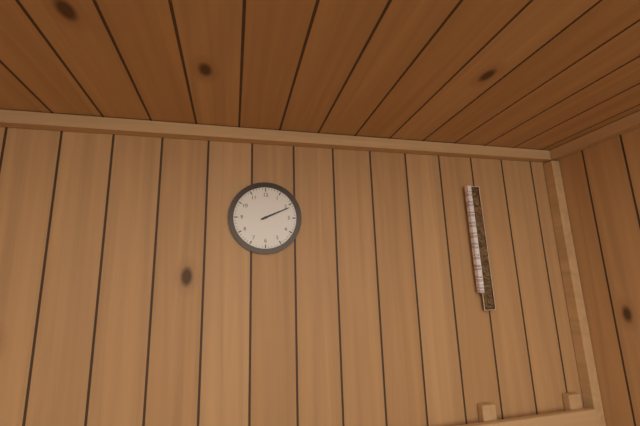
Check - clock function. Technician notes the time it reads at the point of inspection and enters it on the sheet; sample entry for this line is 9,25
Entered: 2,11
